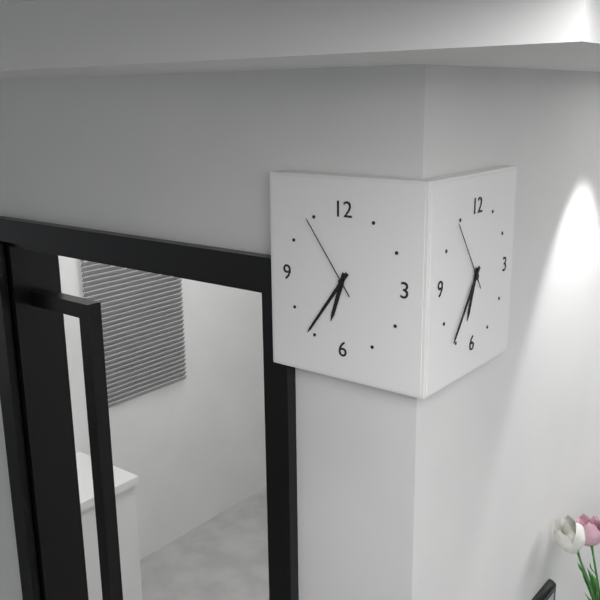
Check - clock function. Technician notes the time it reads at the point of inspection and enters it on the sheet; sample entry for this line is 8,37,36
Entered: 6,36,54
